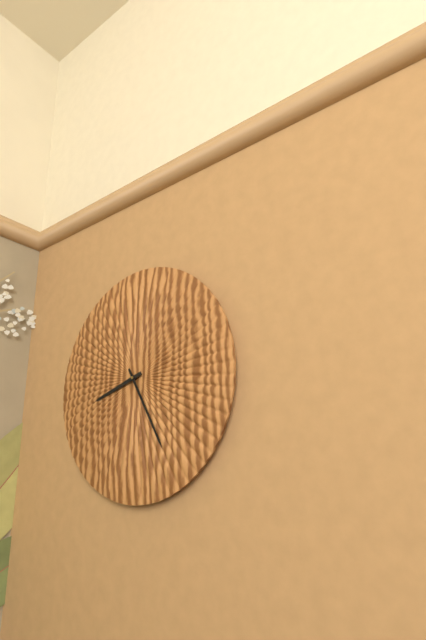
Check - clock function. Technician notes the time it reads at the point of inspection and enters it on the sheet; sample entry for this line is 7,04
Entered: 8,25
